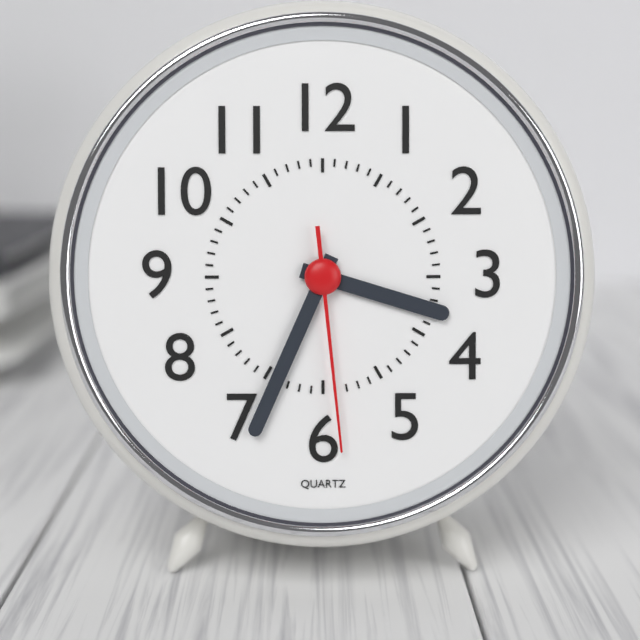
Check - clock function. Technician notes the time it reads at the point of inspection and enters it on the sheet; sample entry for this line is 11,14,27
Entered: 3,34,29
